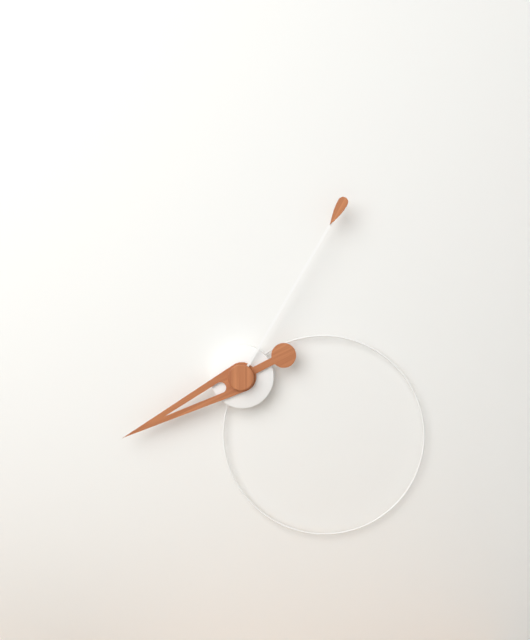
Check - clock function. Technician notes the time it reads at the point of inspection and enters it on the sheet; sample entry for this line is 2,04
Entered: 8,05
